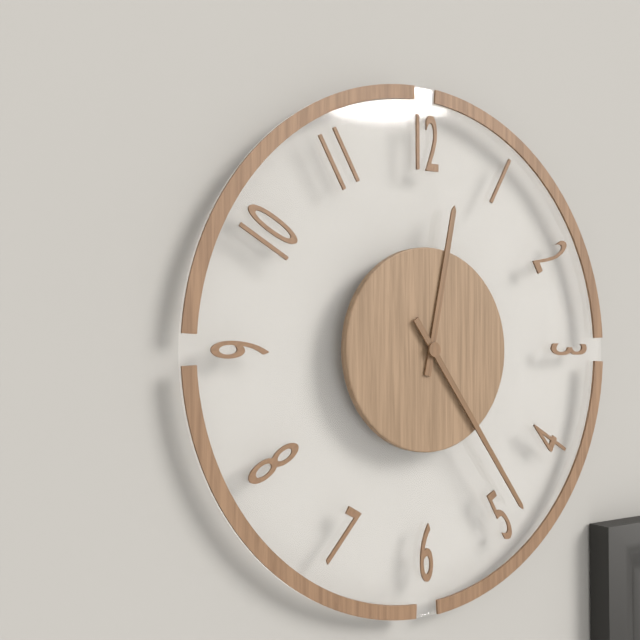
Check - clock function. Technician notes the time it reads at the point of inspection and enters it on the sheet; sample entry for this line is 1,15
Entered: 12,24
